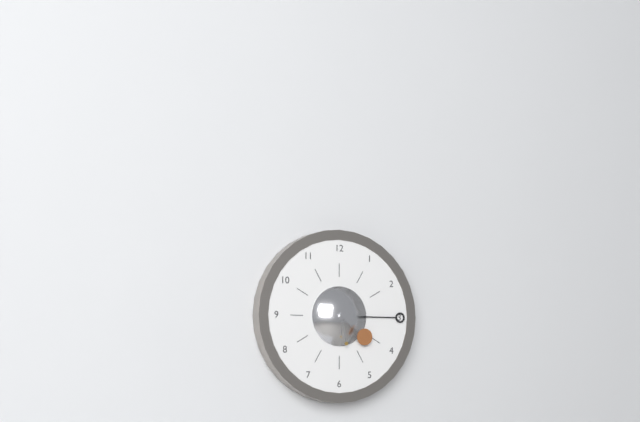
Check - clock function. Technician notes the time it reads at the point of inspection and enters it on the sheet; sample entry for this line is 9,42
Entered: 4,15
